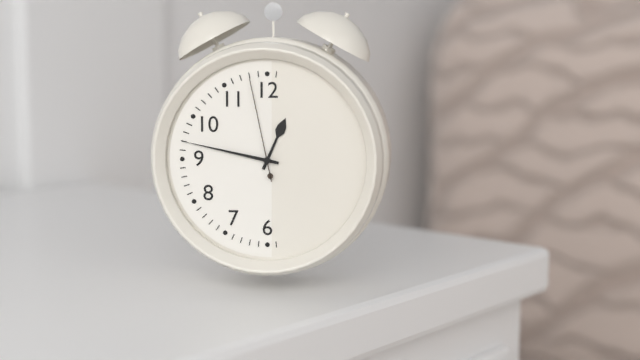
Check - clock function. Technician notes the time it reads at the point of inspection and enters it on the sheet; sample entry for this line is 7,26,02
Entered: 12,47,58
